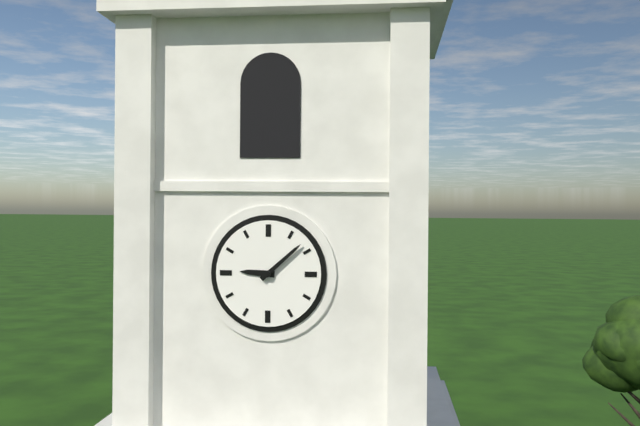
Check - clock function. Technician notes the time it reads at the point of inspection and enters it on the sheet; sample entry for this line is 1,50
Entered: 9,08
